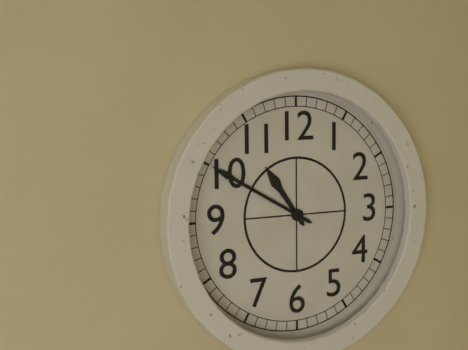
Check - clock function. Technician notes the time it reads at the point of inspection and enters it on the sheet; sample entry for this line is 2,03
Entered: 10,50
